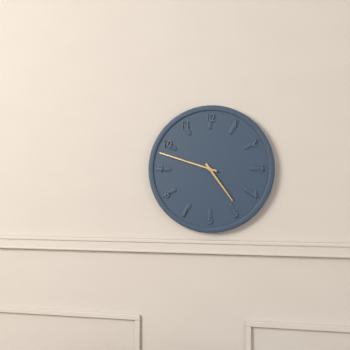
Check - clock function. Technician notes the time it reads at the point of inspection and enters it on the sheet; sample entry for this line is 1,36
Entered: 4,48
